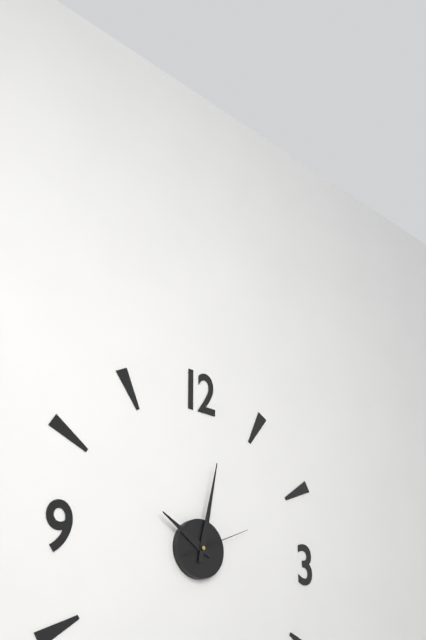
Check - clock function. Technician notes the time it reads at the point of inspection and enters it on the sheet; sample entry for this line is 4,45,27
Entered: 10,02,11
